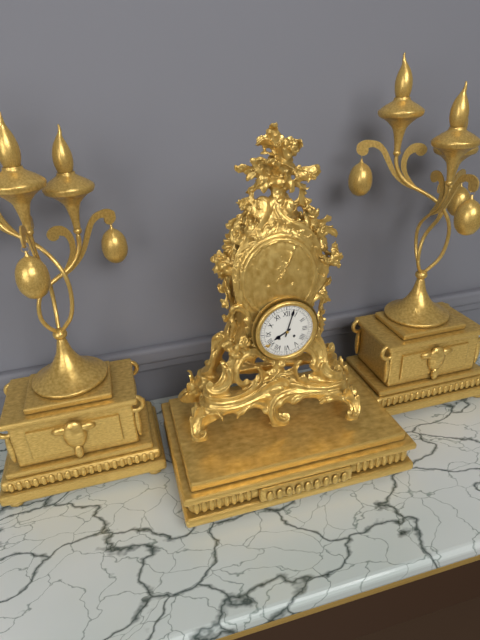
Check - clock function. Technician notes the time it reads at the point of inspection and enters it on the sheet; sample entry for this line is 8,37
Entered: 8,03
